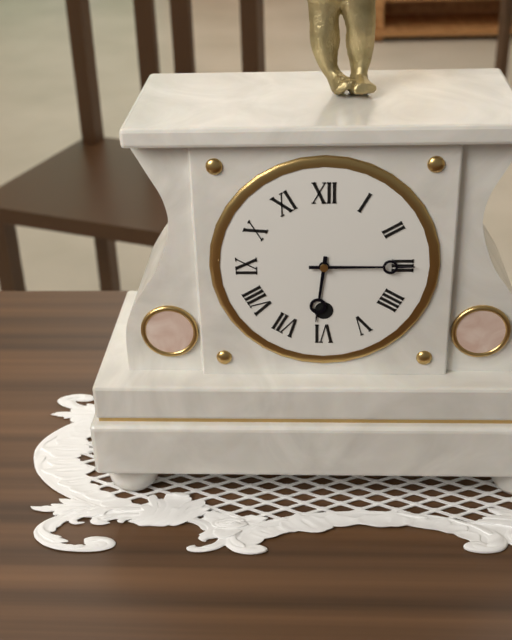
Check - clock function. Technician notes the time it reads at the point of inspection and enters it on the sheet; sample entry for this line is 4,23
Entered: 6,15
